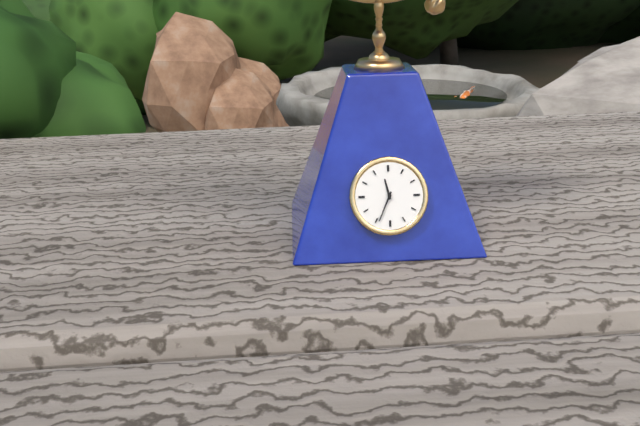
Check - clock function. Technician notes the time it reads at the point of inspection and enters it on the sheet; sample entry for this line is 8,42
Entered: 11,34
